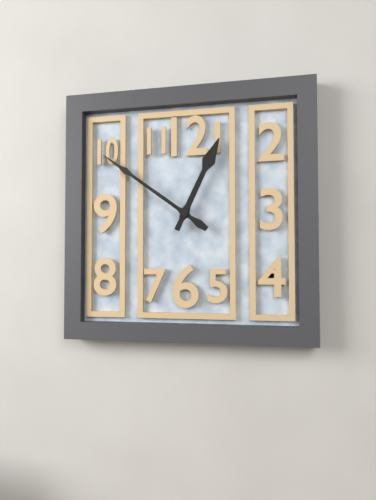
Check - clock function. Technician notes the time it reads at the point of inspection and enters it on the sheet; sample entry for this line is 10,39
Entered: 12,51
